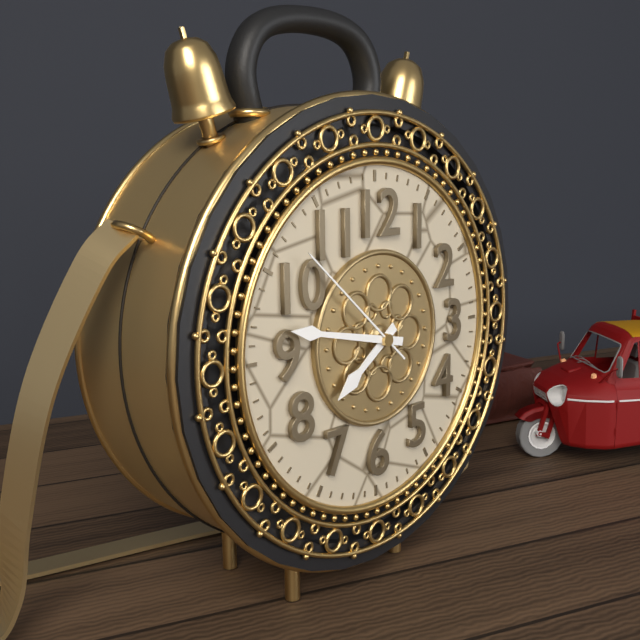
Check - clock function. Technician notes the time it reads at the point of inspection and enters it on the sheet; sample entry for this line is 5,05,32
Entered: 7,47,52
